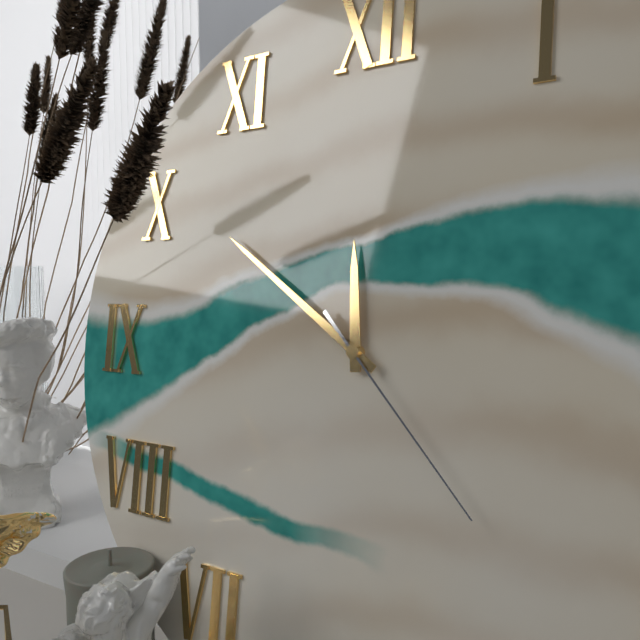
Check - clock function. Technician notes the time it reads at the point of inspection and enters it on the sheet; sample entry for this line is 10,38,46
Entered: 11,51,23
